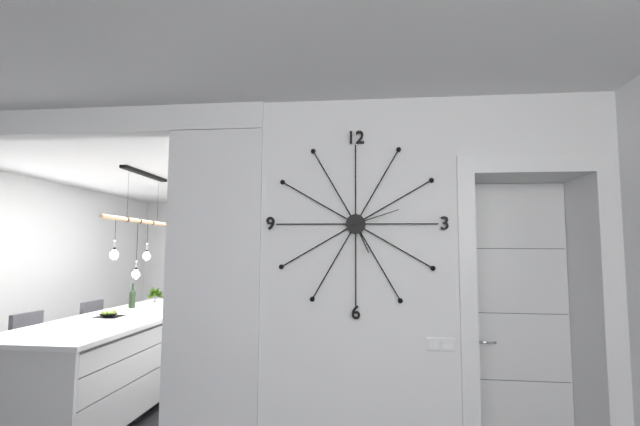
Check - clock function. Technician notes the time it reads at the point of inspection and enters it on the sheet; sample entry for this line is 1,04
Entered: 5,12
